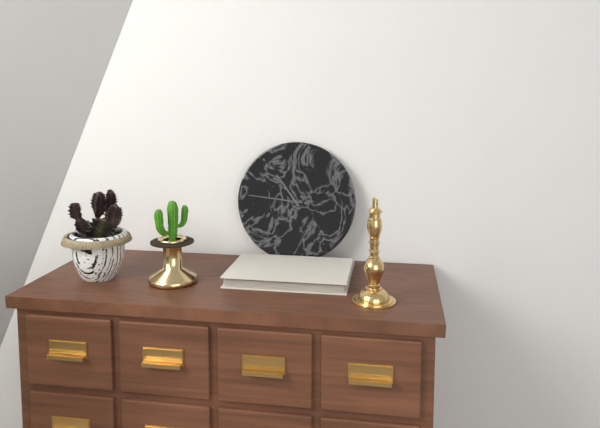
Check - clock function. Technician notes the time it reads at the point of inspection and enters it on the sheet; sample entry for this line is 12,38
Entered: 10,46
